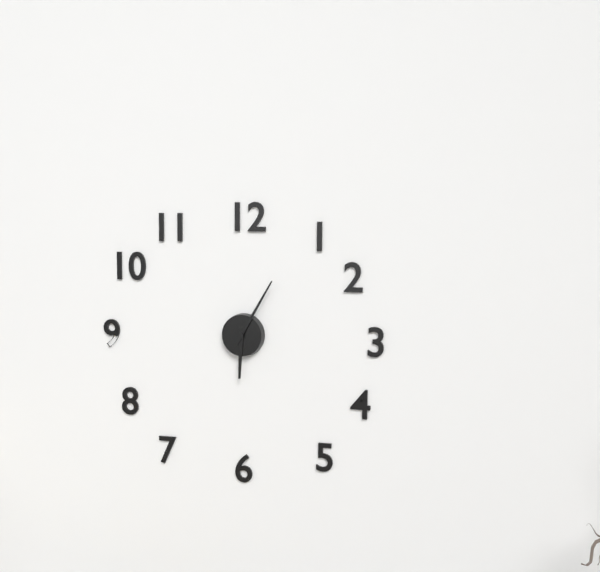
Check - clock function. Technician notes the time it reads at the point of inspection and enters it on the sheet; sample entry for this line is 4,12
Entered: 6,05
